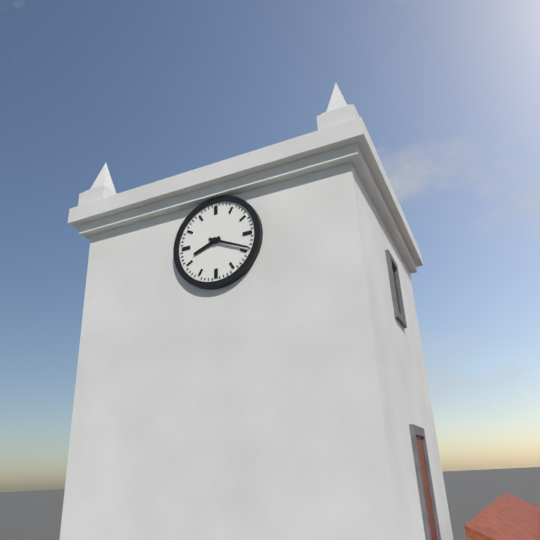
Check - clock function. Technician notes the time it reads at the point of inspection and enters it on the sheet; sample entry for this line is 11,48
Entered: 8,19
